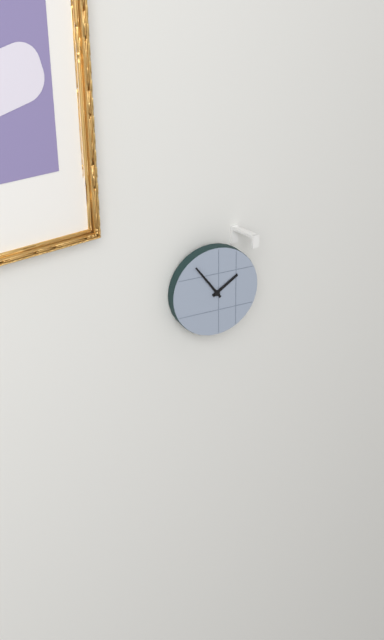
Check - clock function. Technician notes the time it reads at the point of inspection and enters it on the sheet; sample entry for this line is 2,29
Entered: 1,54
